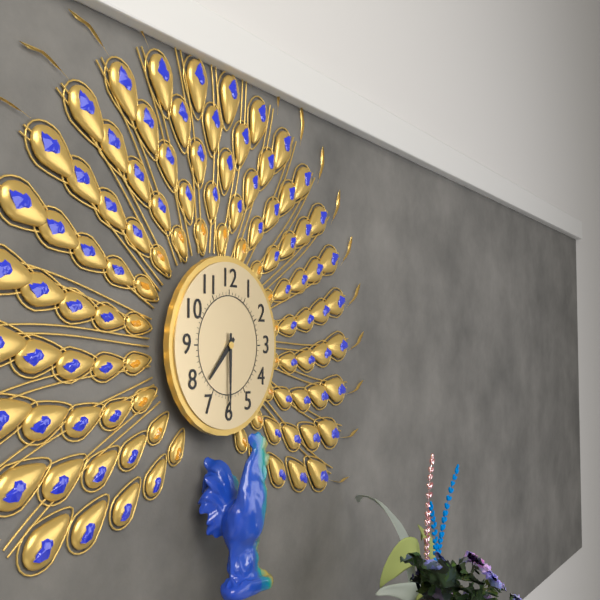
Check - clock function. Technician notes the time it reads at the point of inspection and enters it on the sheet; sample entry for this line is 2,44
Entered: 7,30
